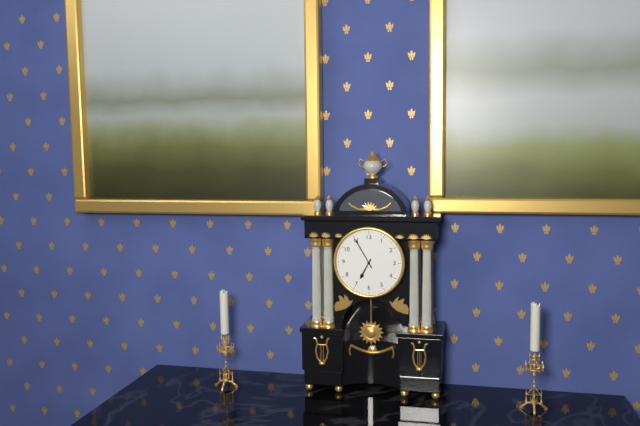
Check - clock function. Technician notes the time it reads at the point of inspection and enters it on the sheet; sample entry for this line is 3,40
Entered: 6,55
